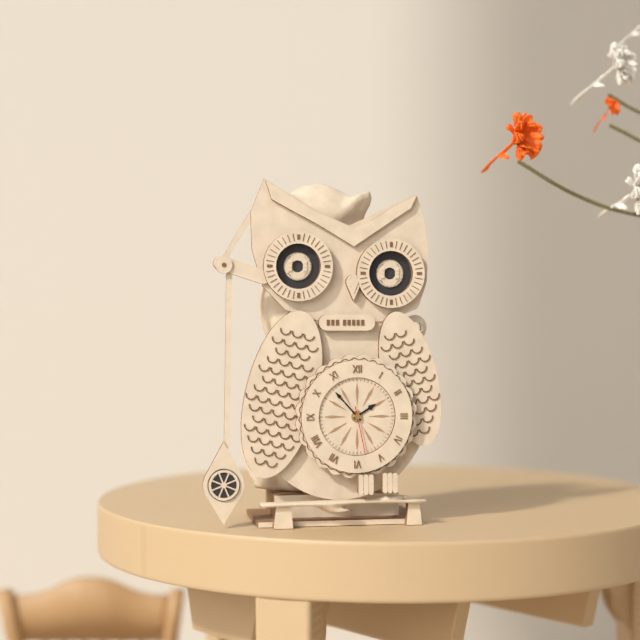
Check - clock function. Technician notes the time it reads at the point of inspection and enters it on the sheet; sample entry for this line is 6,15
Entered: 1,53
